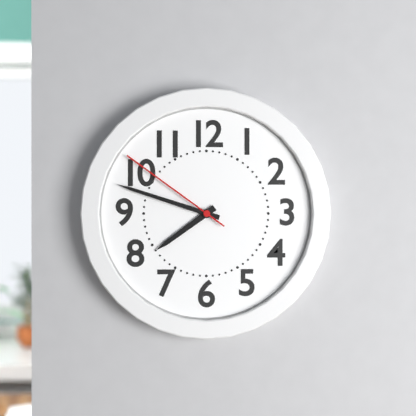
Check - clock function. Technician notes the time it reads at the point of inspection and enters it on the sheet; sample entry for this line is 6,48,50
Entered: 7,48,51
